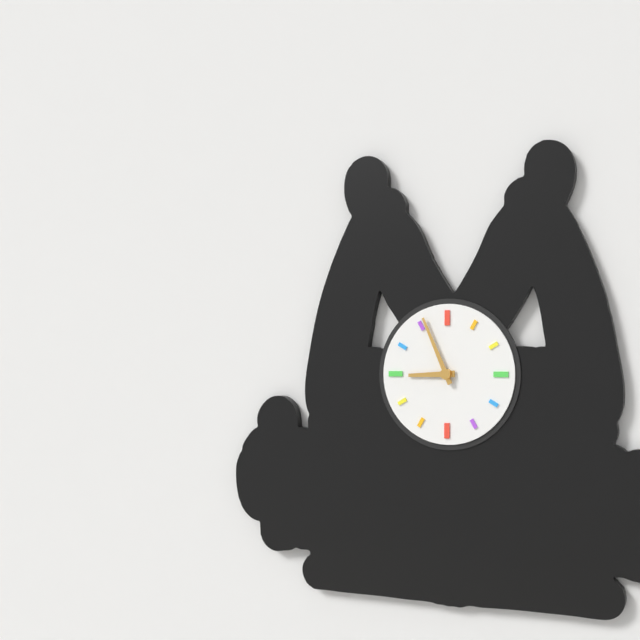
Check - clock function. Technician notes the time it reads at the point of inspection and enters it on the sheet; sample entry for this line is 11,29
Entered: 8,56
